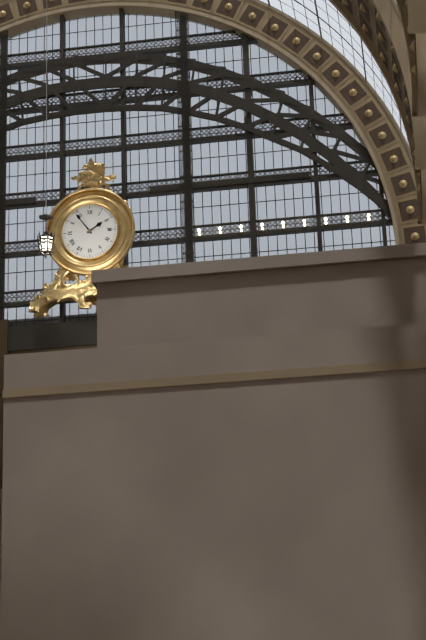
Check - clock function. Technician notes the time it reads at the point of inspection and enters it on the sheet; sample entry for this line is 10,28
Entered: 1,54
